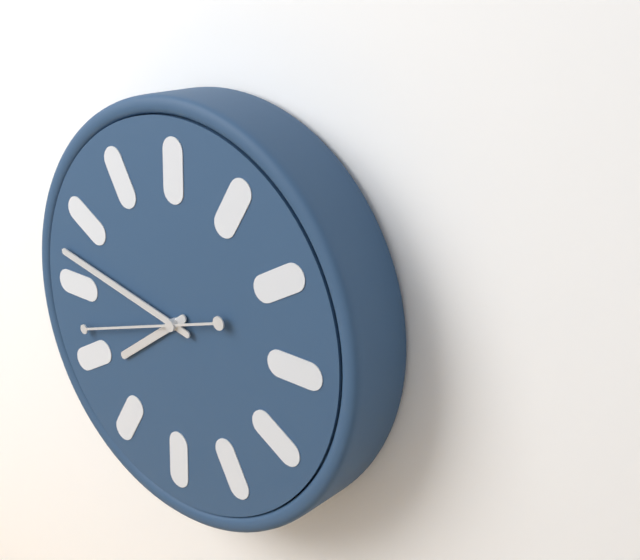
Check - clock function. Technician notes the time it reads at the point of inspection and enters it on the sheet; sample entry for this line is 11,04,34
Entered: 7,47,42
